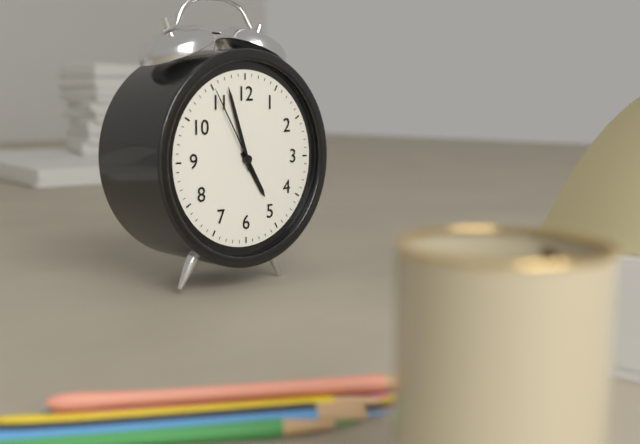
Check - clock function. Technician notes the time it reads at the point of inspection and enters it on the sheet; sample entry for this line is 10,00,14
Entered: 4,57,55
